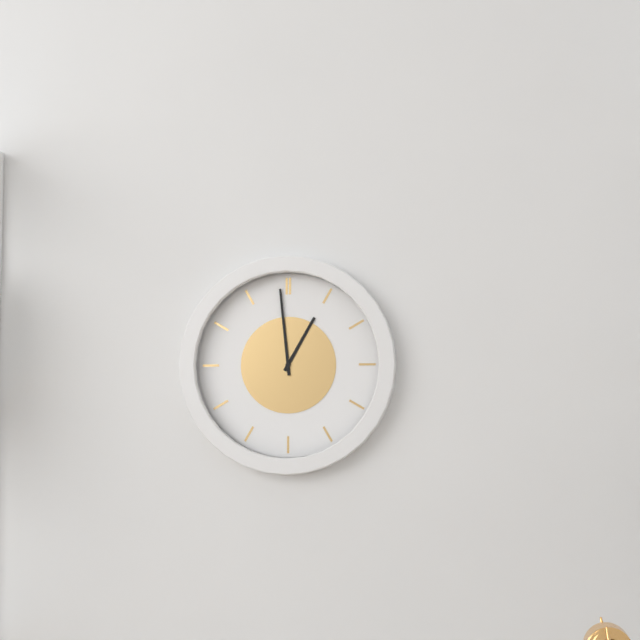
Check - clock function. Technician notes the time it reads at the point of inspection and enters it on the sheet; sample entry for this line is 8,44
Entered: 12,59
